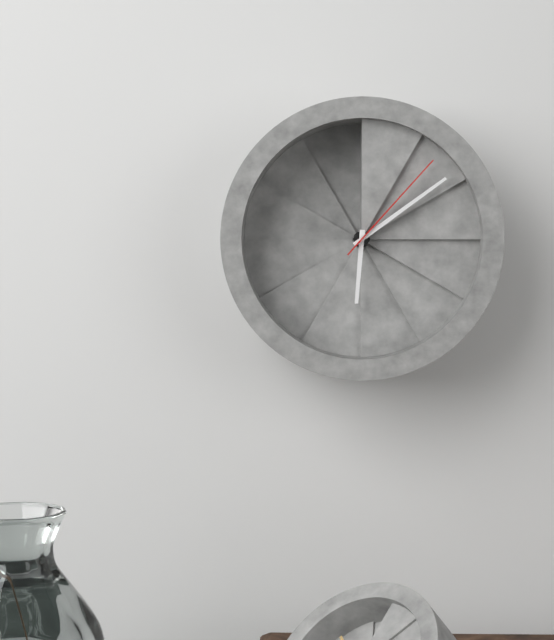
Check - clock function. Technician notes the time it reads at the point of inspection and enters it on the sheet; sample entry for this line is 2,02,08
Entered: 6,09,07
